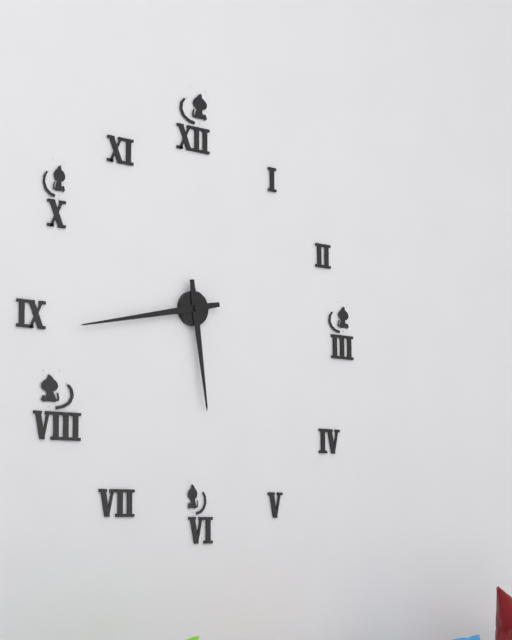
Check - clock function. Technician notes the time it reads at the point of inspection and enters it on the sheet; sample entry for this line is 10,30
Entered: 5,43
